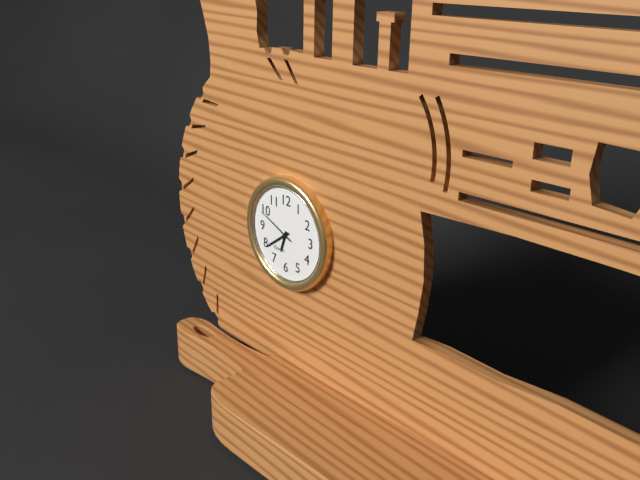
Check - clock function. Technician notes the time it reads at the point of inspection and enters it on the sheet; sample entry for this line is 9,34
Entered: 6,39
